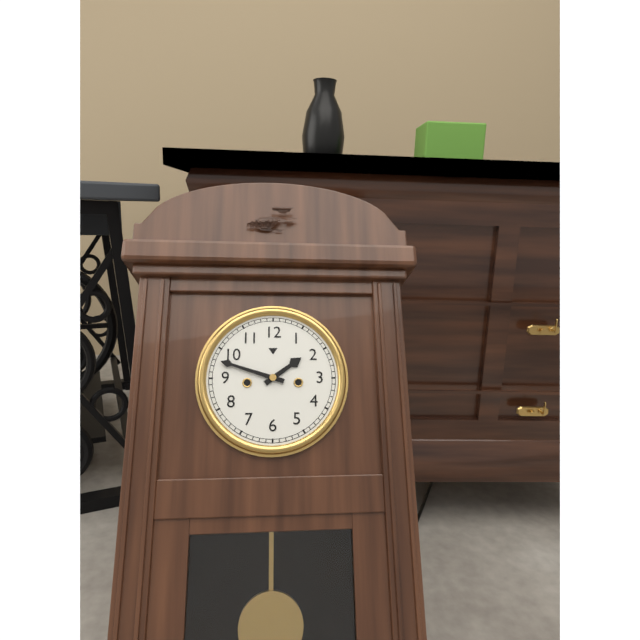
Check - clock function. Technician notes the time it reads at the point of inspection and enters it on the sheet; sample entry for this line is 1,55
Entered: 1,48
